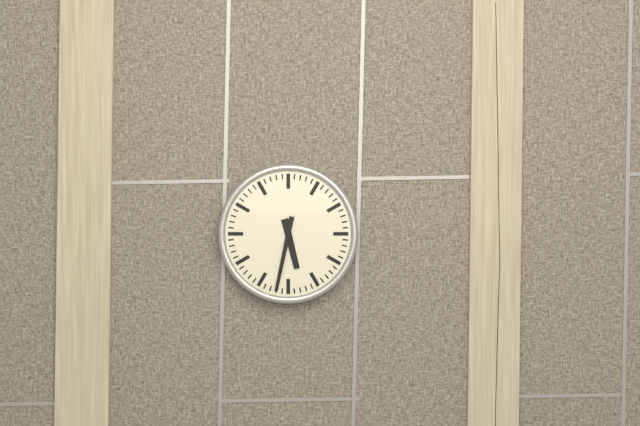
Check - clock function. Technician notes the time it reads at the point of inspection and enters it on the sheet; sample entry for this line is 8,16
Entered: 5,32
